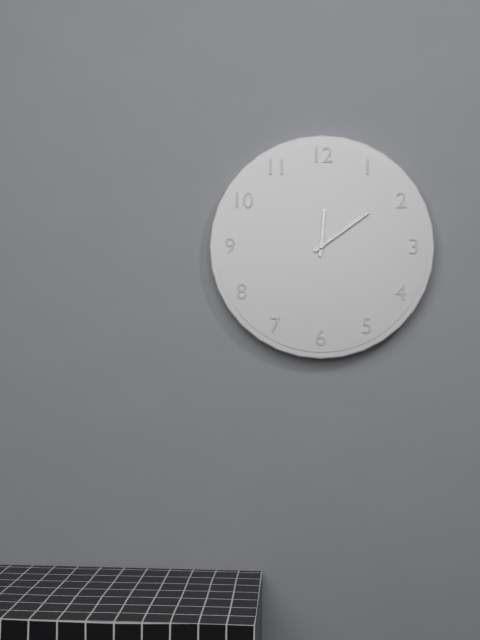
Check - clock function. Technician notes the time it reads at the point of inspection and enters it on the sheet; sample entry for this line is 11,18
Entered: 12,09
